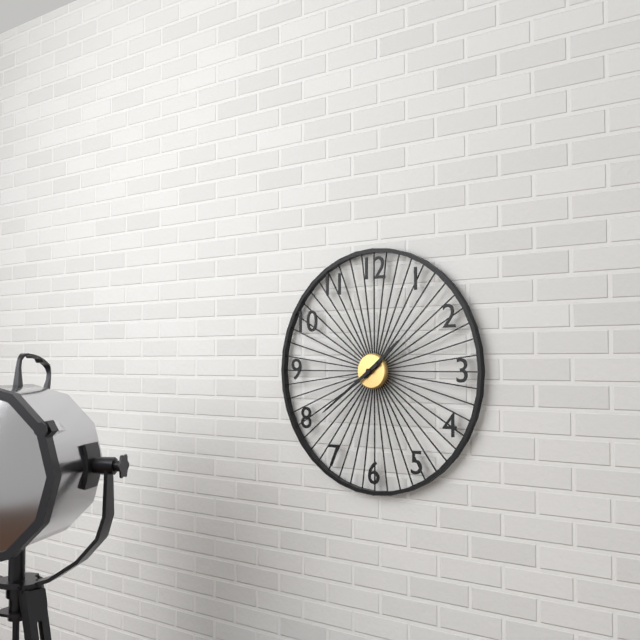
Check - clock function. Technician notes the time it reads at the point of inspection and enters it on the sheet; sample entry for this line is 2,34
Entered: 1,39
